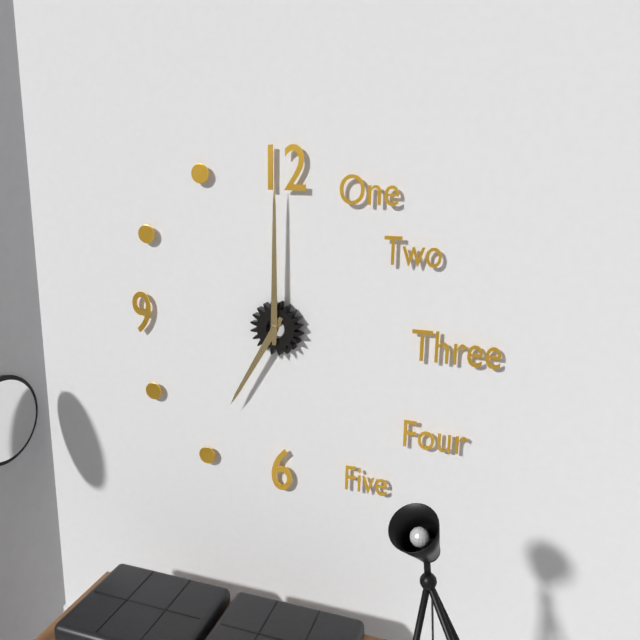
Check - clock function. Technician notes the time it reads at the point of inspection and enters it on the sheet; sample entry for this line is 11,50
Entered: 7,00
